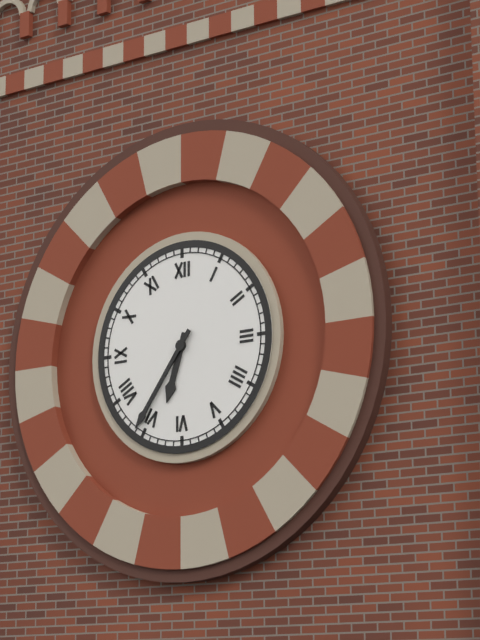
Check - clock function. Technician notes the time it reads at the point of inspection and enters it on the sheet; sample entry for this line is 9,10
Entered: 6,36
